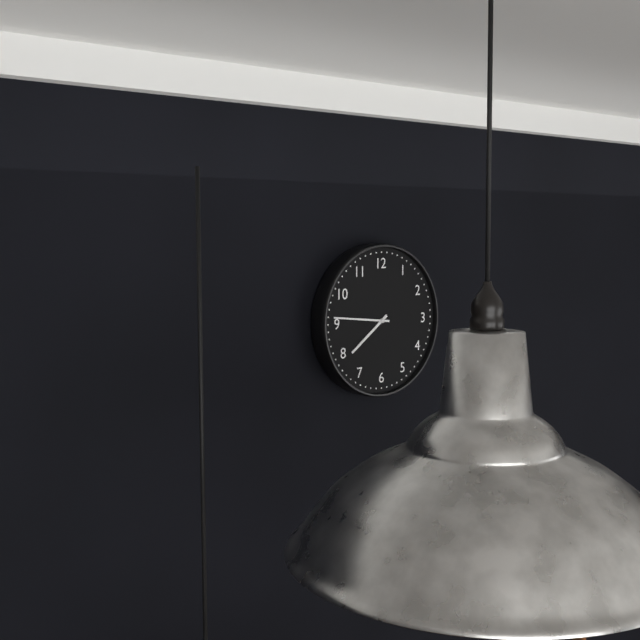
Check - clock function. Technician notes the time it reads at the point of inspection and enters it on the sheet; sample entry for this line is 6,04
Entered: 7,46
